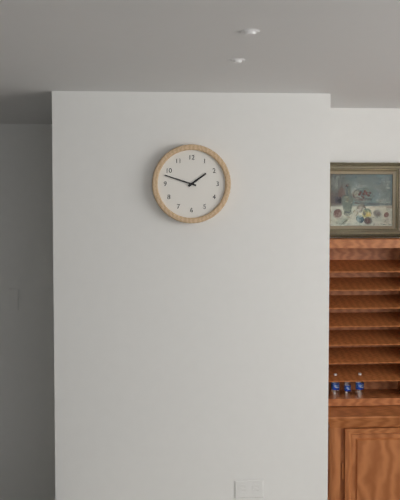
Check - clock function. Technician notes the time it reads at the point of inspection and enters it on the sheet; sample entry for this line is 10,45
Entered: 1,48
